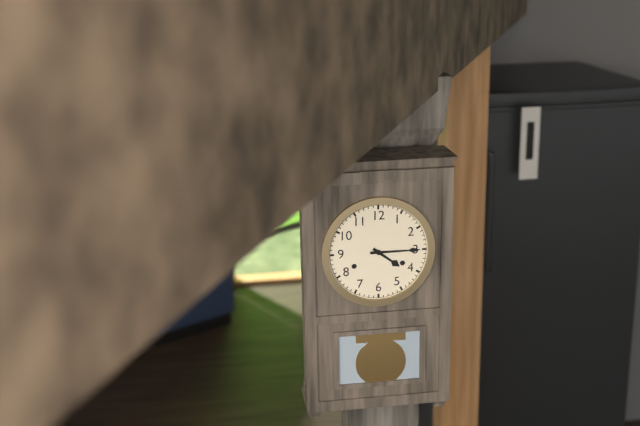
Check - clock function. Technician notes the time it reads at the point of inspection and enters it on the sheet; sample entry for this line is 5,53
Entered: 4,15
